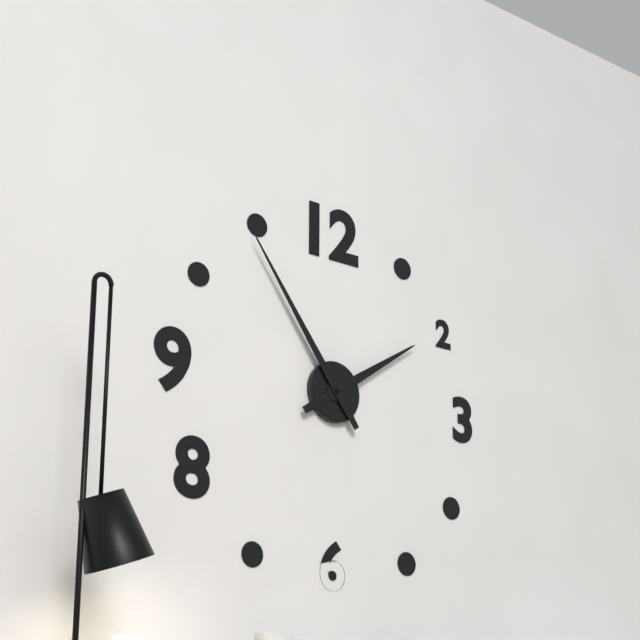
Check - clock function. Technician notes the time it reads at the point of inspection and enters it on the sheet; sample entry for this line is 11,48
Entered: 1,54
